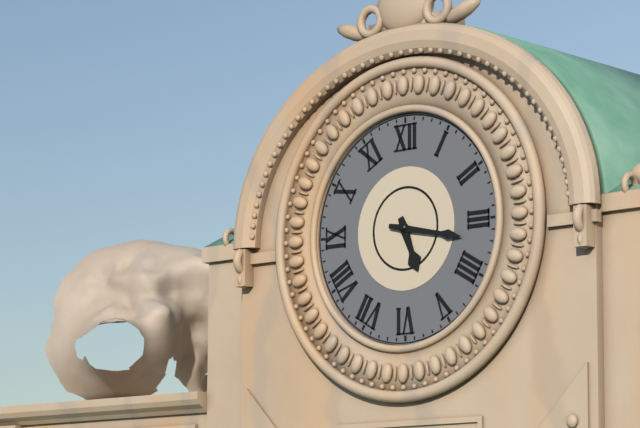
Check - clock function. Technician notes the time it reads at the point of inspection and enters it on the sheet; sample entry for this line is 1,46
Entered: 5,17
